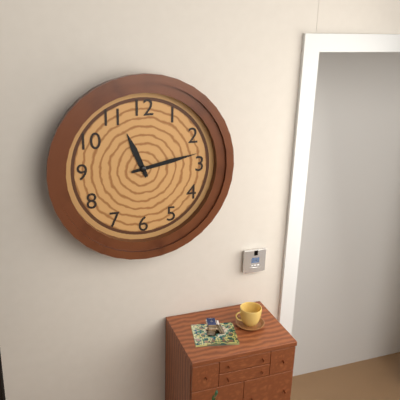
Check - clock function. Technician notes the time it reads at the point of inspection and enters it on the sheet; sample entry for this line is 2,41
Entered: 11,13
